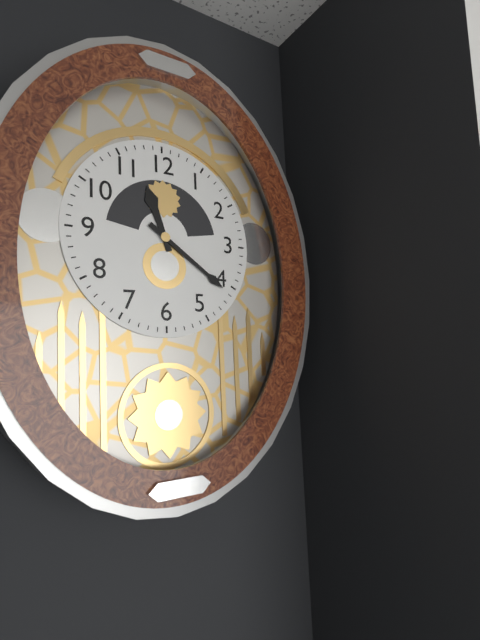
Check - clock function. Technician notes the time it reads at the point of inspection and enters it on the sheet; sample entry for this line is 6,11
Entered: 11,21
